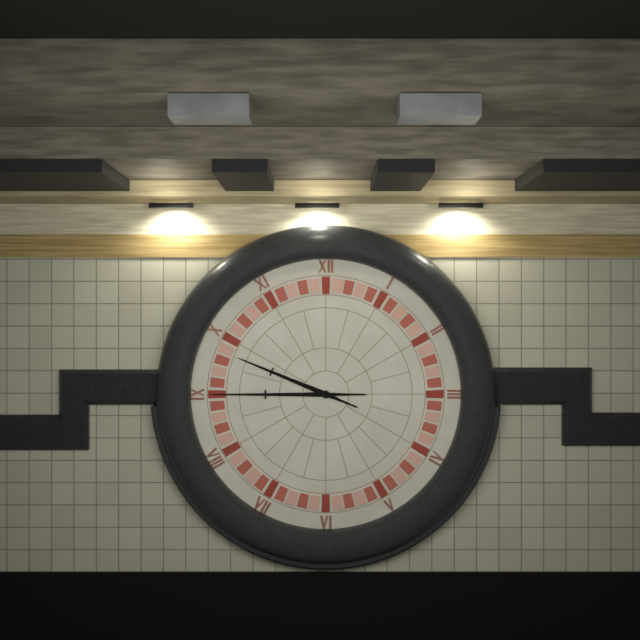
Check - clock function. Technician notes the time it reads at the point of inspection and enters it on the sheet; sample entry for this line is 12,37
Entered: 9,45
